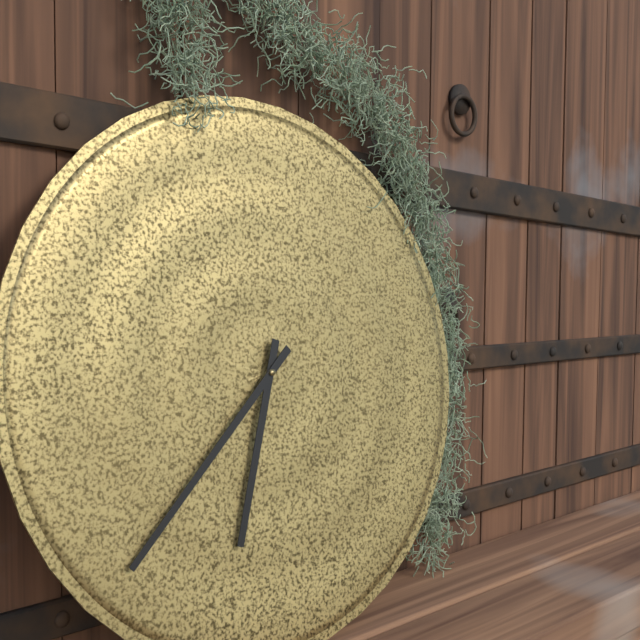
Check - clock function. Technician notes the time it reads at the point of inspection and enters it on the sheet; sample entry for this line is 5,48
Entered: 6,38
